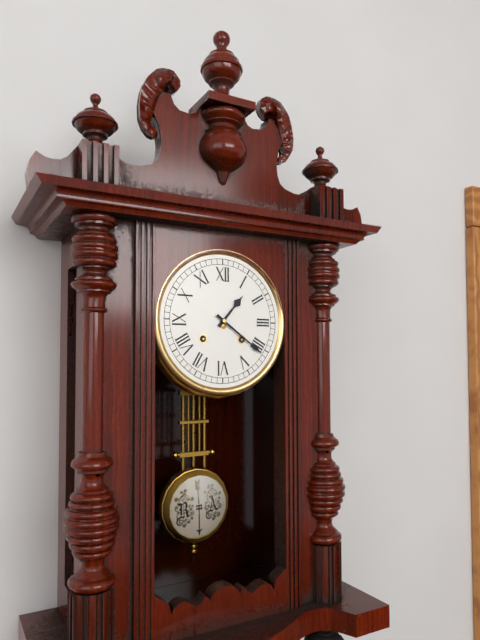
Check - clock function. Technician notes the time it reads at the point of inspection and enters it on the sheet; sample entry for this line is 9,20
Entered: 1,21
